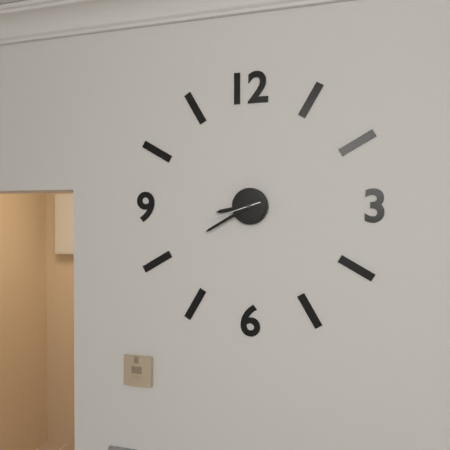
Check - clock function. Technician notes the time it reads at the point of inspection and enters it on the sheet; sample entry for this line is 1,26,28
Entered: 8,40,42
